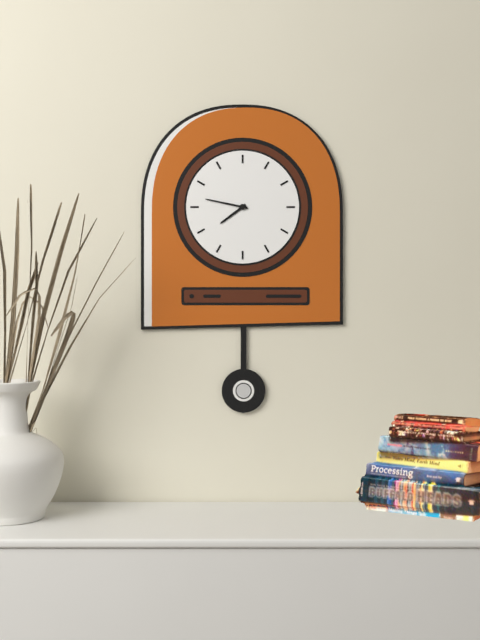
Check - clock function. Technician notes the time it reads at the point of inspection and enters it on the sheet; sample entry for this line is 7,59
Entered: 7,47
